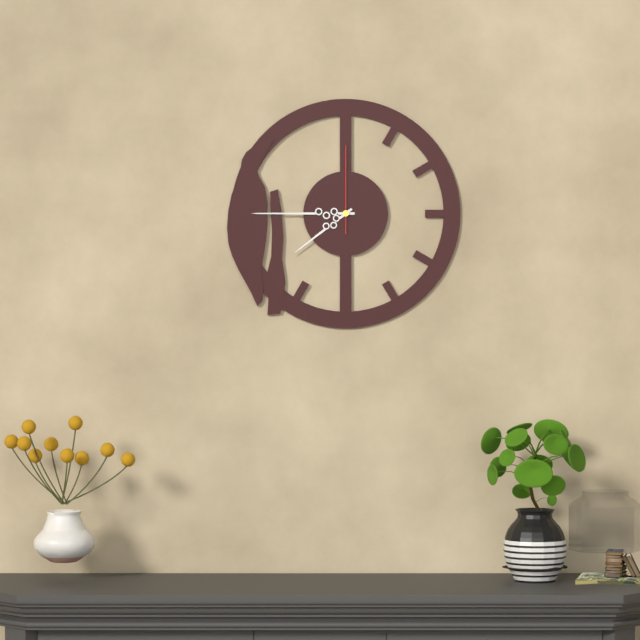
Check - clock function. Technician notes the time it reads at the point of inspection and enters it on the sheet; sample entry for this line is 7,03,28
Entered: 7,45,00
